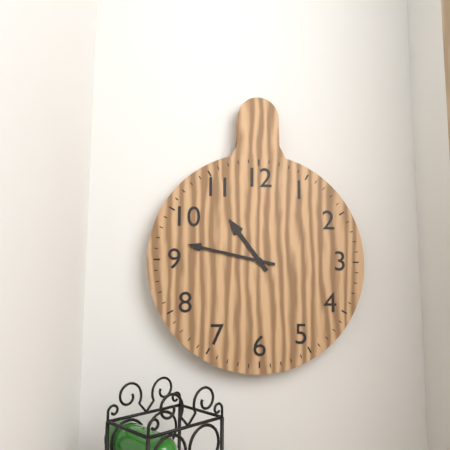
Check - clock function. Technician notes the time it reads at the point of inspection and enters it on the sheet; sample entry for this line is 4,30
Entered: 10,47
